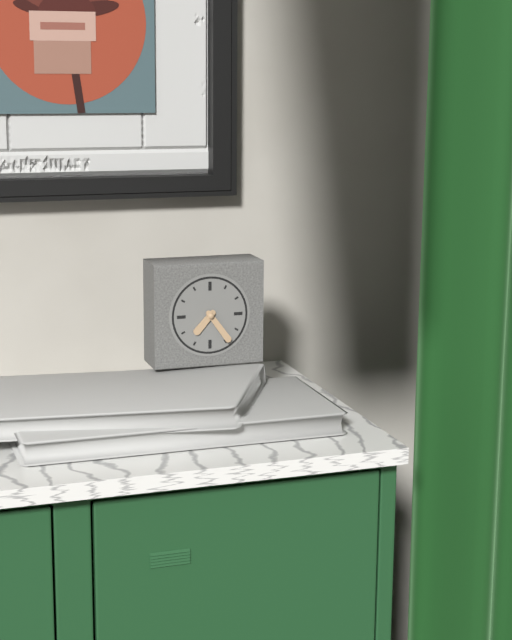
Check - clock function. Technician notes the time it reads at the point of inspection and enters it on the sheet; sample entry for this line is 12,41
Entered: 7,24
